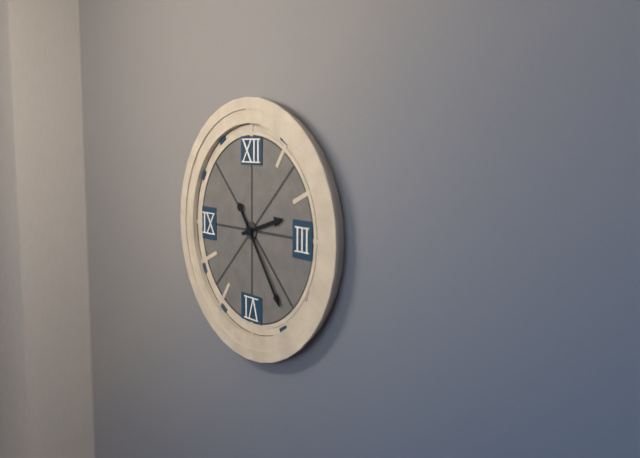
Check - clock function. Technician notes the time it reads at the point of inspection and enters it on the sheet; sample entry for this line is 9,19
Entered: 2,24
